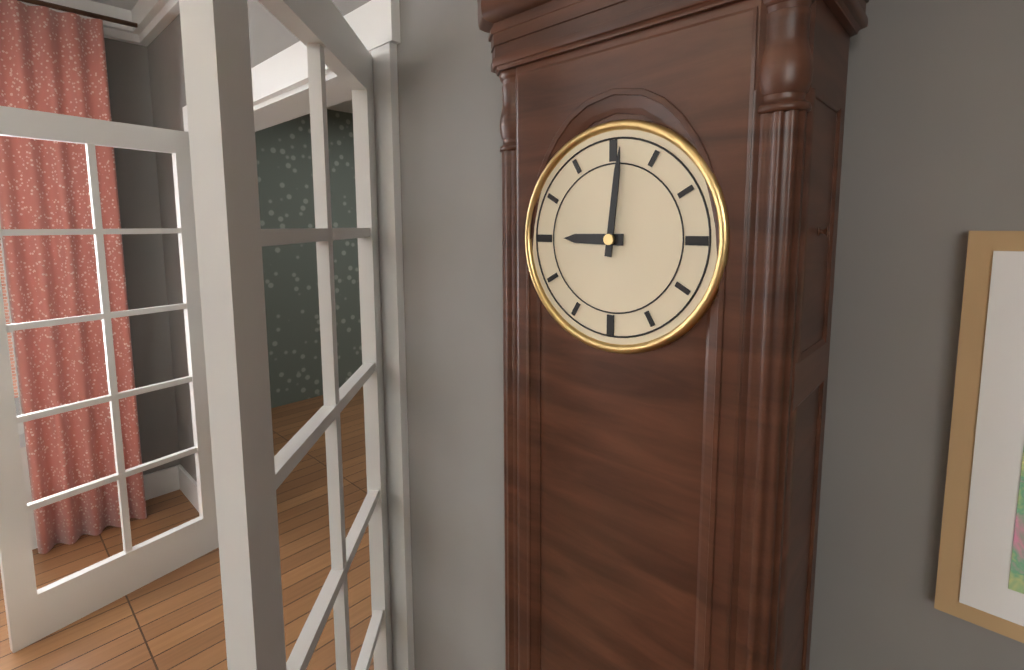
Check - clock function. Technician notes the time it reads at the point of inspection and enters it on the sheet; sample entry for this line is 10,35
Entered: 9,01
